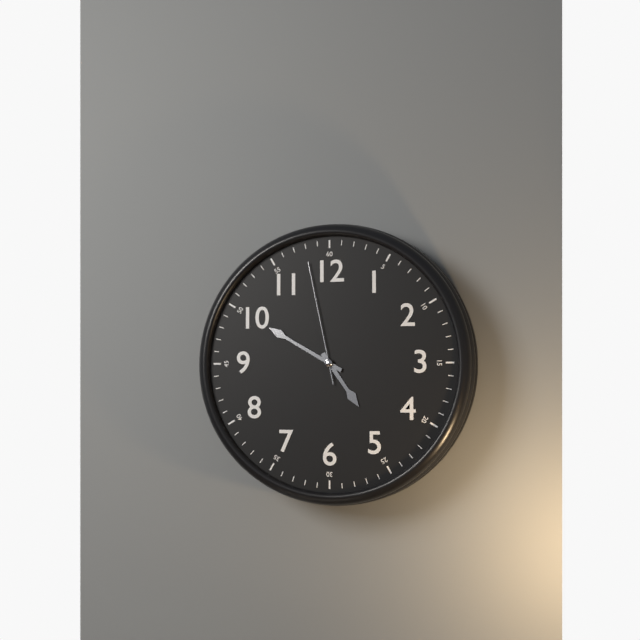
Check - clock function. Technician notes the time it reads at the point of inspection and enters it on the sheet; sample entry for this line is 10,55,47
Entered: 4,50,58
